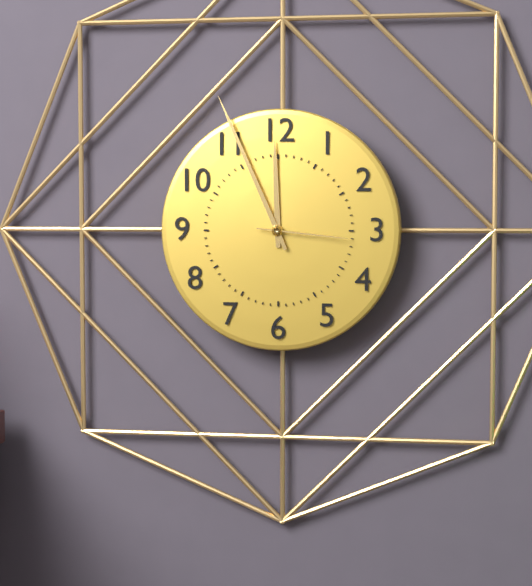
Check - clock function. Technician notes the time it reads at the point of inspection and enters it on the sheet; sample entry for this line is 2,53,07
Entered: 11,56,16
